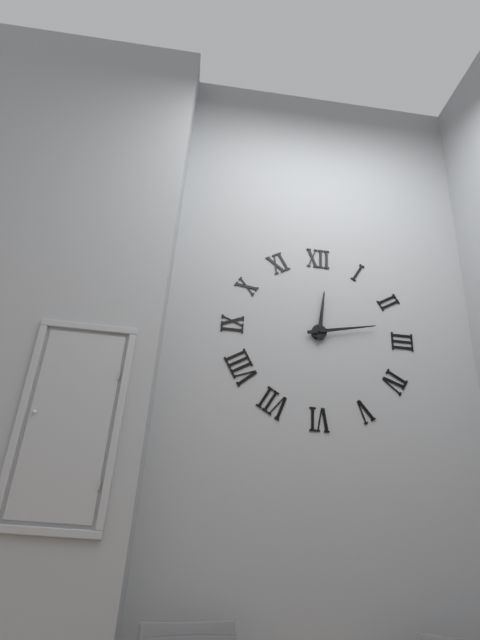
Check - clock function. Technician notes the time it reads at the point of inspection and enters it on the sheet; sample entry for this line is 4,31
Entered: 12,13
